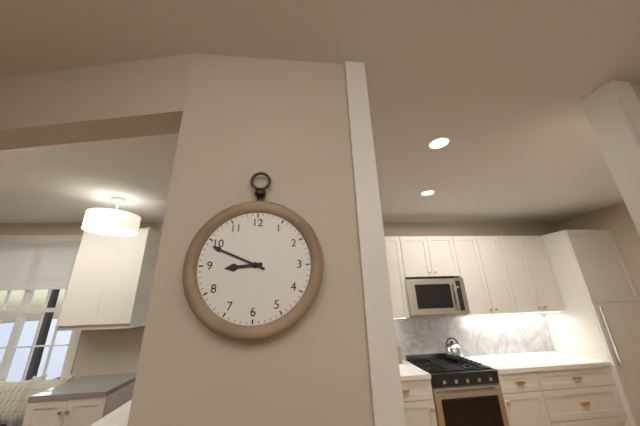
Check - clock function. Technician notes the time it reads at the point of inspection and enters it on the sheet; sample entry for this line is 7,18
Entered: 8,49
